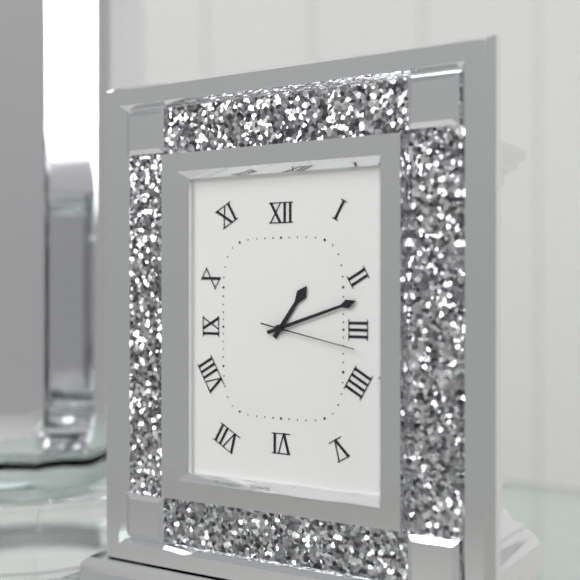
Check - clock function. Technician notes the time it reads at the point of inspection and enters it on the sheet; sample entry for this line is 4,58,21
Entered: 1,12,17
